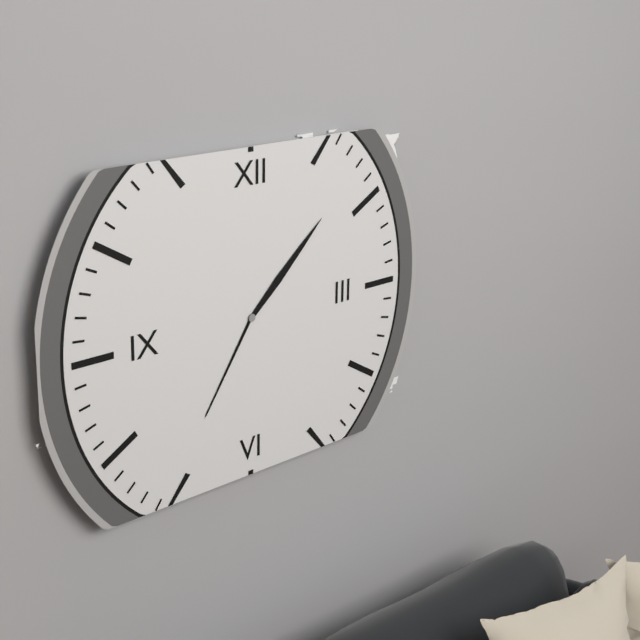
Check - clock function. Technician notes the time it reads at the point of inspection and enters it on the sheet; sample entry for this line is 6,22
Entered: 7,08
